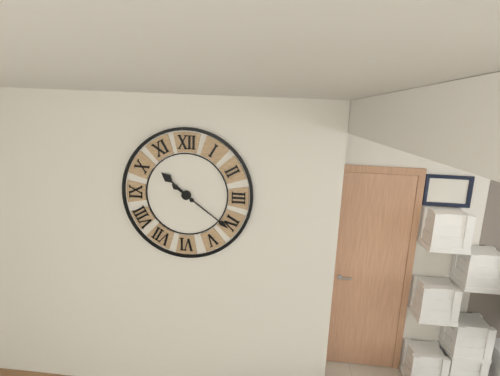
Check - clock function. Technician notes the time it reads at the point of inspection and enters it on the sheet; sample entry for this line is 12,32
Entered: 10,21
